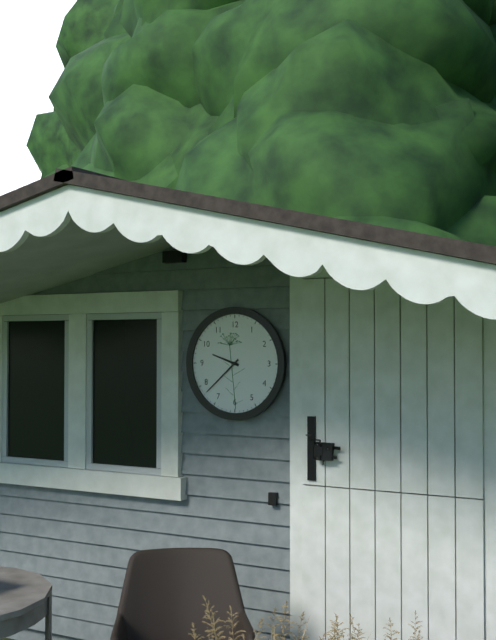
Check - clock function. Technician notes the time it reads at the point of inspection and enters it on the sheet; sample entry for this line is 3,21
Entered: 9,38
